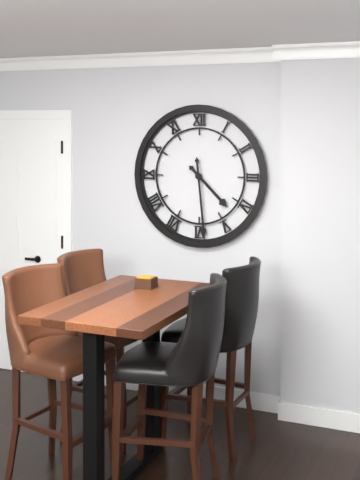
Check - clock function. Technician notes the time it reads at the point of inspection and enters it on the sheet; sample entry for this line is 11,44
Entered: 4,29
